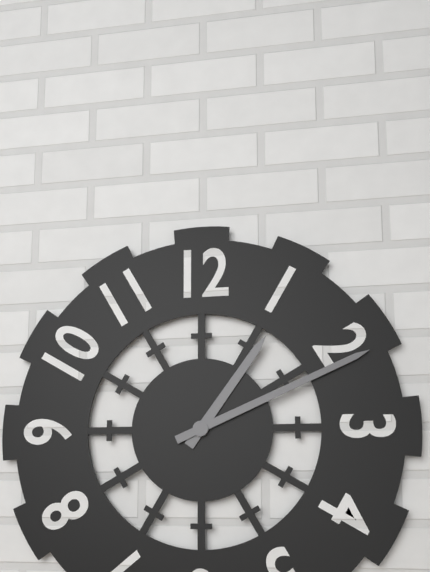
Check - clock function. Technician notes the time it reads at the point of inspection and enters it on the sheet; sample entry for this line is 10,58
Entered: 1,11
